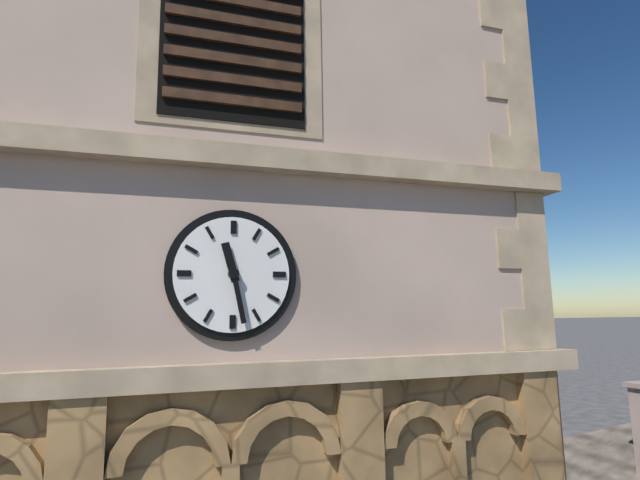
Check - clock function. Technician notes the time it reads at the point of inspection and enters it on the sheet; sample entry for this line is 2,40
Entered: 11,28
